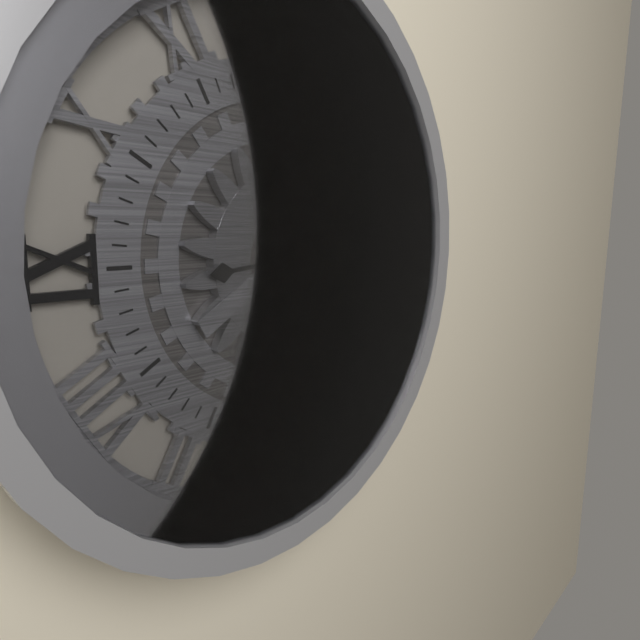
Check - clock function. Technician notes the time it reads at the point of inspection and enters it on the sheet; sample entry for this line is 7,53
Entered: 5,14
